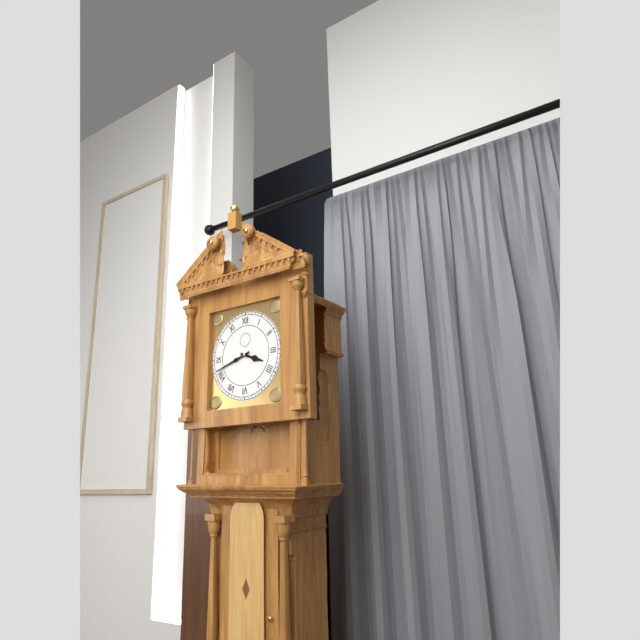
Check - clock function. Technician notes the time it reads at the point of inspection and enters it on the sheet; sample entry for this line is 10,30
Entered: 3,42
